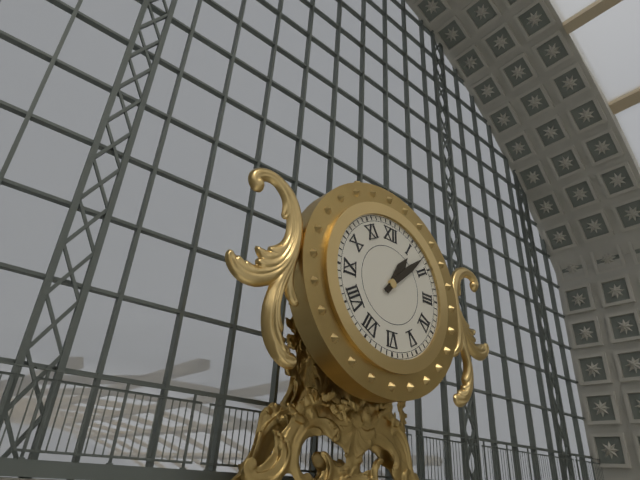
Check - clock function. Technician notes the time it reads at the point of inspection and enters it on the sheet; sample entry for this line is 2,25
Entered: 1,08
